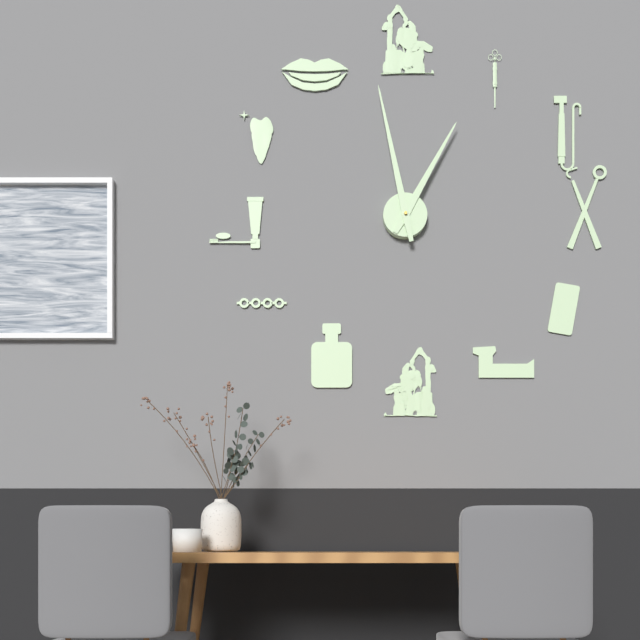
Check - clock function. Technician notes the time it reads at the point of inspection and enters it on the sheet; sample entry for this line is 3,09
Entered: 12,58
